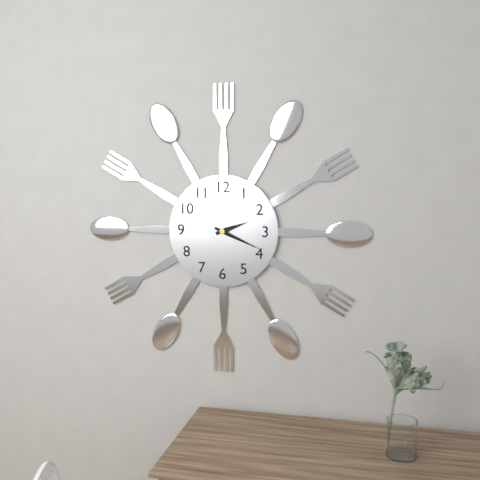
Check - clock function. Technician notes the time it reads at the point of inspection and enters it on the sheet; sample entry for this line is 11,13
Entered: 2,19
